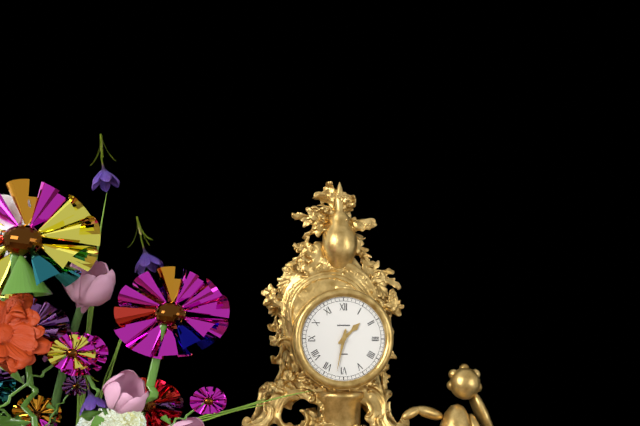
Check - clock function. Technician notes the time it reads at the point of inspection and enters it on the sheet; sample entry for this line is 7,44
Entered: 1,32
